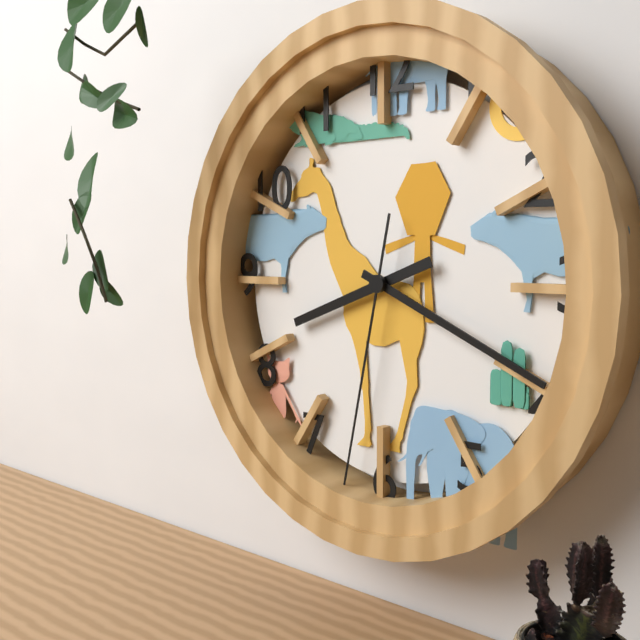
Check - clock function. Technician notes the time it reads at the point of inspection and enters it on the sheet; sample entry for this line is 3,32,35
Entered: 8,19,32
